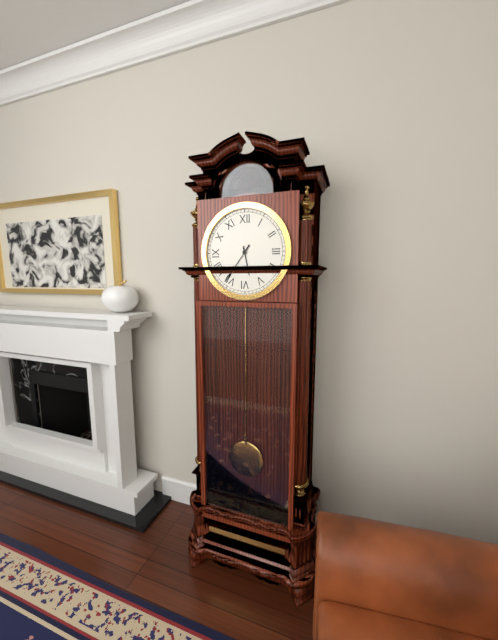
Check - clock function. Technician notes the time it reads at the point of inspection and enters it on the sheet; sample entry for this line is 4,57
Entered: 5,36
